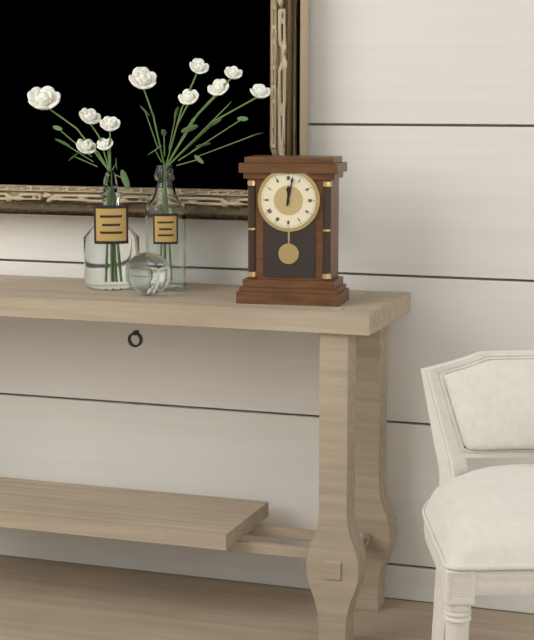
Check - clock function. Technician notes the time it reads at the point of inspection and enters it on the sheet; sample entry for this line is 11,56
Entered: 12,02
